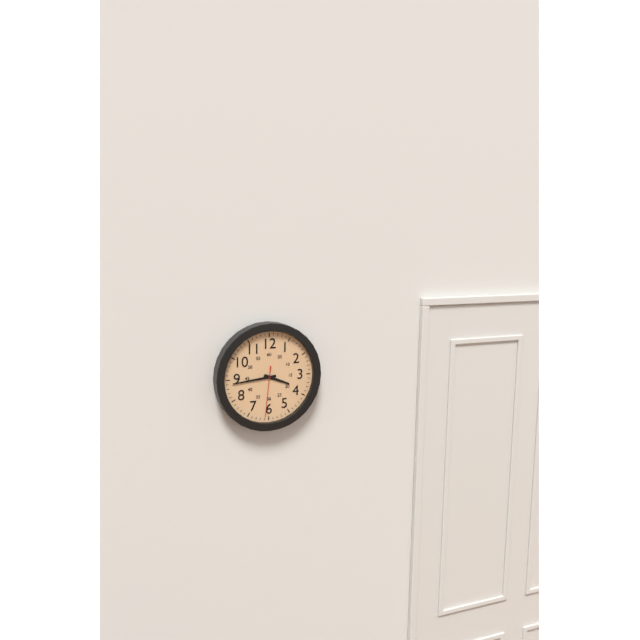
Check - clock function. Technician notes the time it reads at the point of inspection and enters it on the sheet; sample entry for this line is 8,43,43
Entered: 3,44,31
